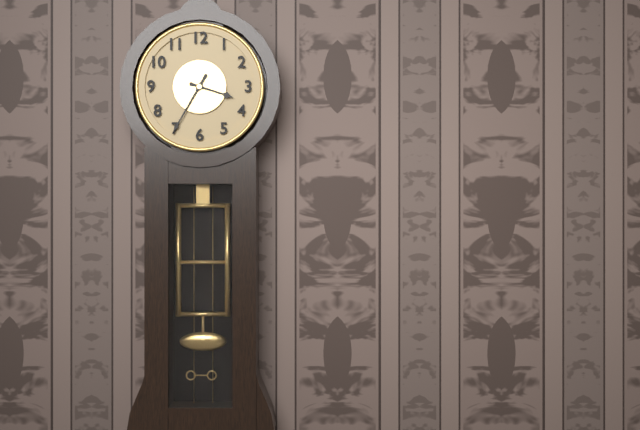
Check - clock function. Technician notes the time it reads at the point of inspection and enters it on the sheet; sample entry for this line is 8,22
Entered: 3,35
